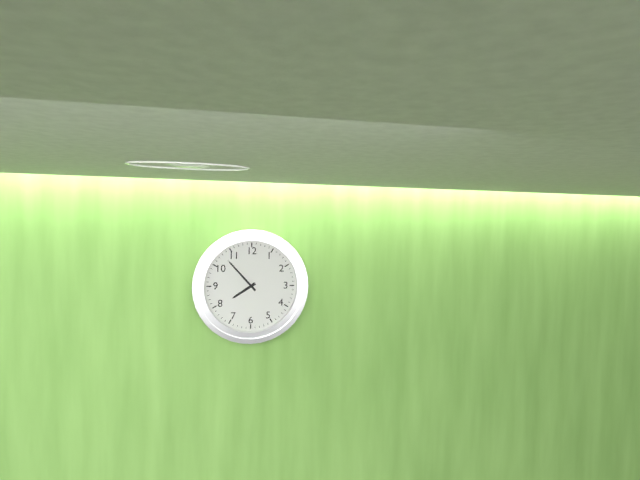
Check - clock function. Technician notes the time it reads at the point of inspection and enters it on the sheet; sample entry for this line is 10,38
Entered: 7,53
